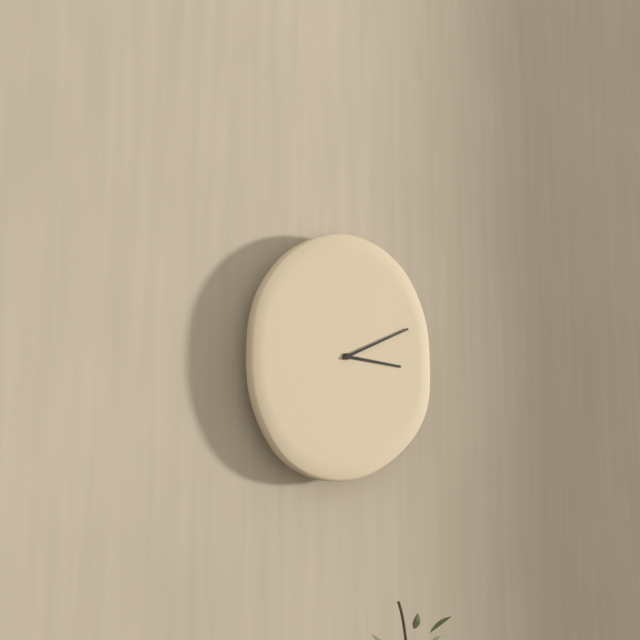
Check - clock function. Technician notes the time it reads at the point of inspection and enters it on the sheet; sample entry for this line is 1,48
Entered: 3,11
